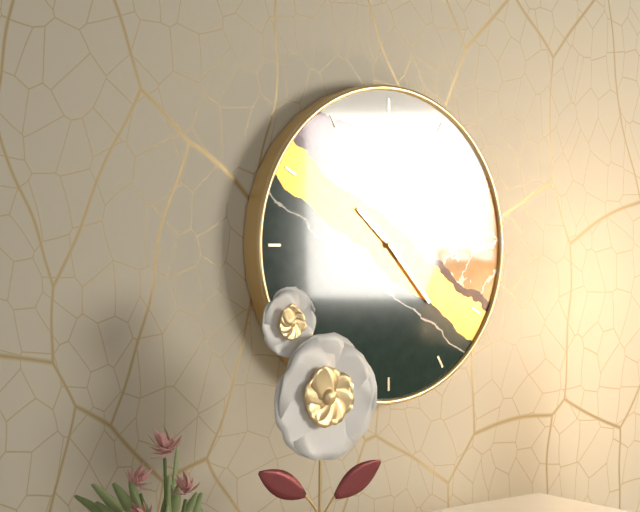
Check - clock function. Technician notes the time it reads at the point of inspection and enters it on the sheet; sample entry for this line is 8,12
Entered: 10,23
